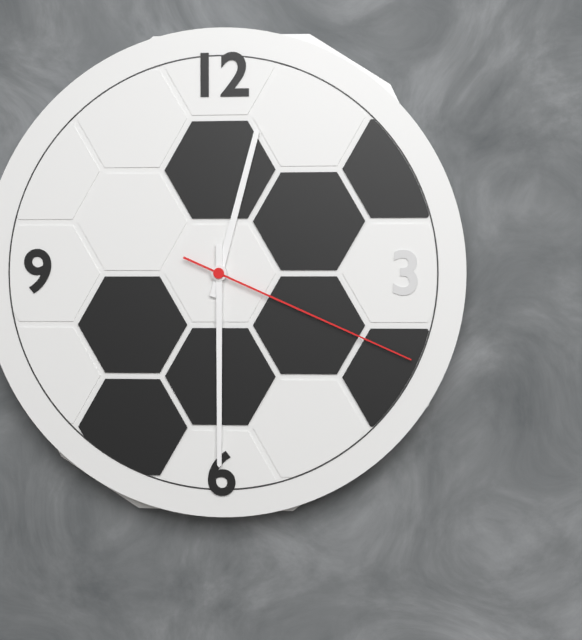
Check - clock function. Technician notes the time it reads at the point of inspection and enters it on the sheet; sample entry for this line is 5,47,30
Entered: 12,30,19
